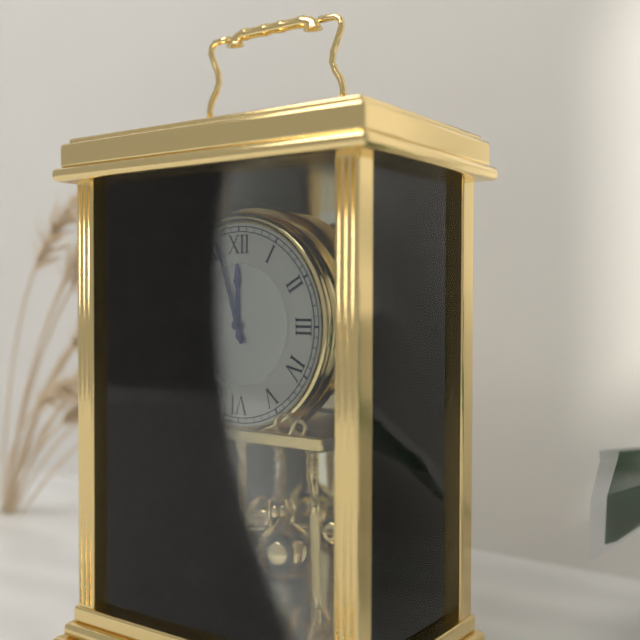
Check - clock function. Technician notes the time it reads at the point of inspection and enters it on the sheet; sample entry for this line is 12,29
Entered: 11,57
